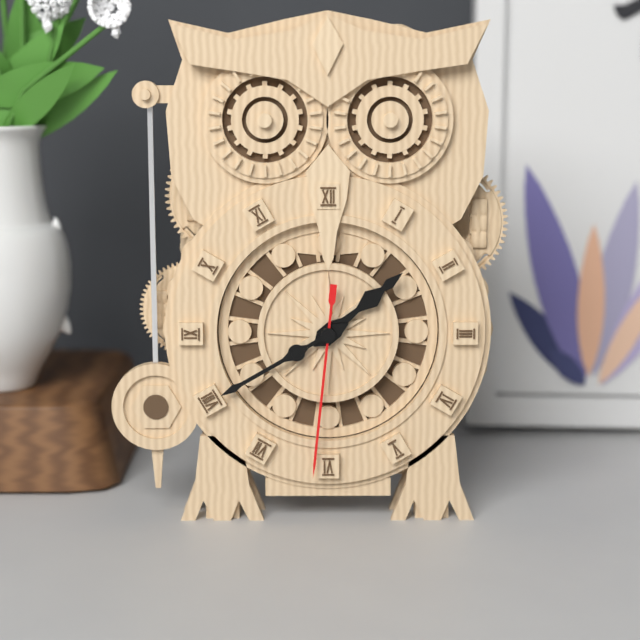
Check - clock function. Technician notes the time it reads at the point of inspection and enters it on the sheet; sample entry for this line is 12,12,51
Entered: 1,40,31
